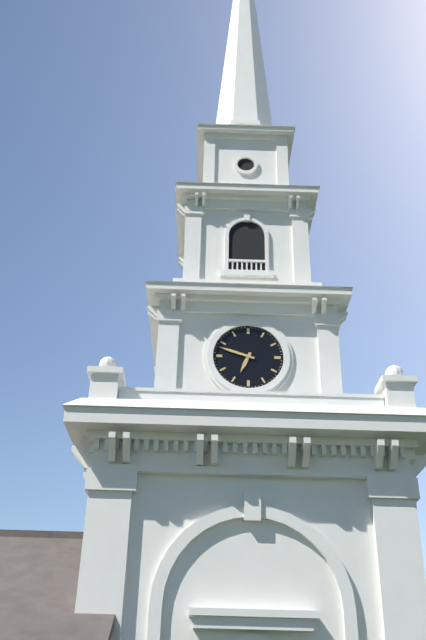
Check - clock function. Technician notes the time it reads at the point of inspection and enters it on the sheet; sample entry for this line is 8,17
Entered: 6,48
